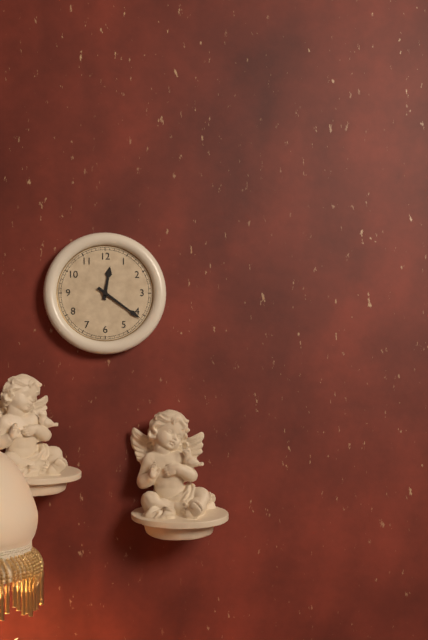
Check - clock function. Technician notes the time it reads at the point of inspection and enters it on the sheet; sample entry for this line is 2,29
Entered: 12,21
